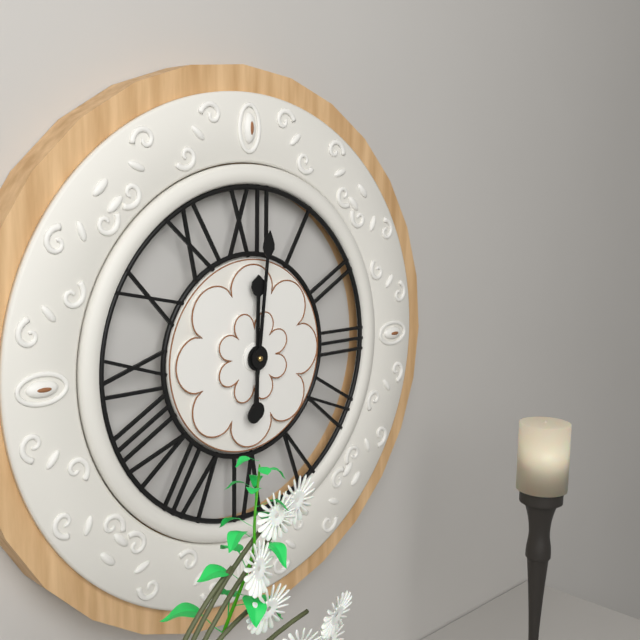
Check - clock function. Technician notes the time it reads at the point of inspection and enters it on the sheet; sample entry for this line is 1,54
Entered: 12,01
